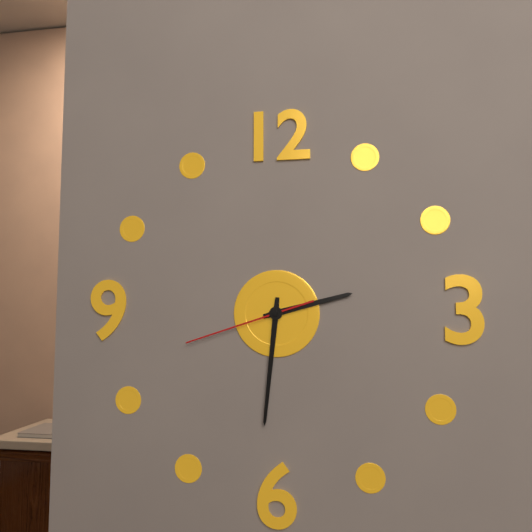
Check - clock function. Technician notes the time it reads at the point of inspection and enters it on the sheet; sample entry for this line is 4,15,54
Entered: 2,31,42
